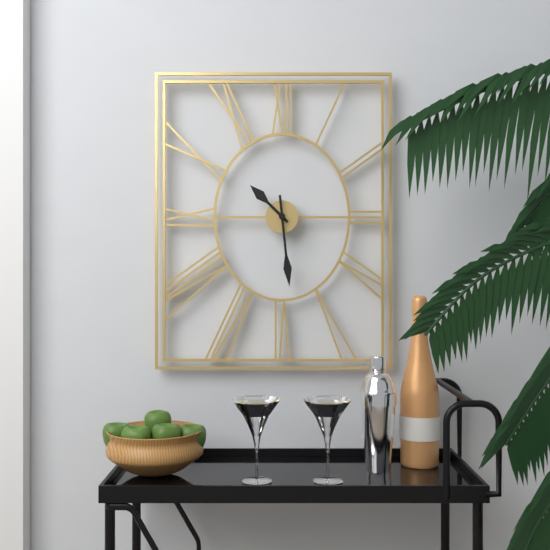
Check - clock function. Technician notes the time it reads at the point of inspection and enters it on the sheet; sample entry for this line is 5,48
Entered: 10,29
